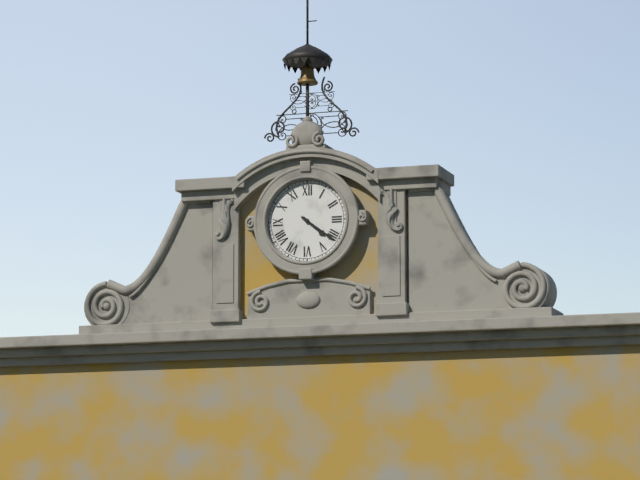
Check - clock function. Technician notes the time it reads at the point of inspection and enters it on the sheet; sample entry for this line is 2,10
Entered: 4,21
